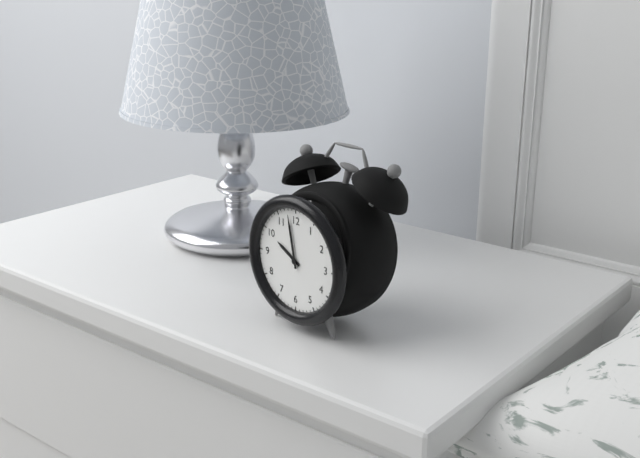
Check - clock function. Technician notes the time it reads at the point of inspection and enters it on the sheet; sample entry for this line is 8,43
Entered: 9,58
